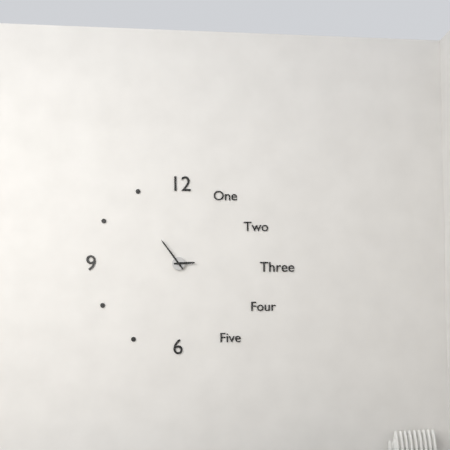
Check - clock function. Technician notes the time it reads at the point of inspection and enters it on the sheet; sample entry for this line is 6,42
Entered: 2,54
